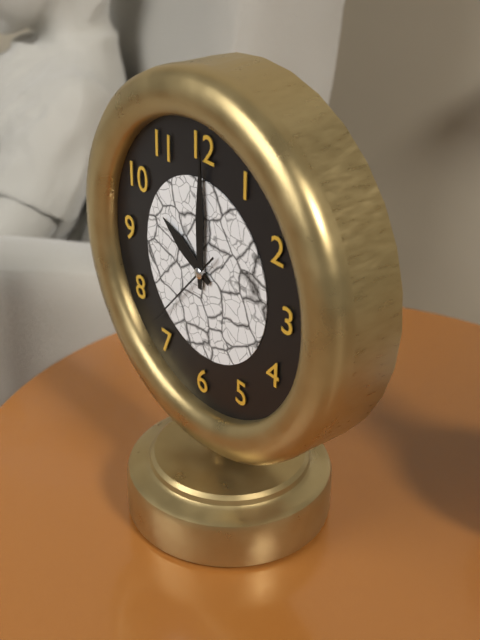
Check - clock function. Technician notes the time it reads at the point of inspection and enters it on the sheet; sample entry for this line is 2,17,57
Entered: 10,00,37
